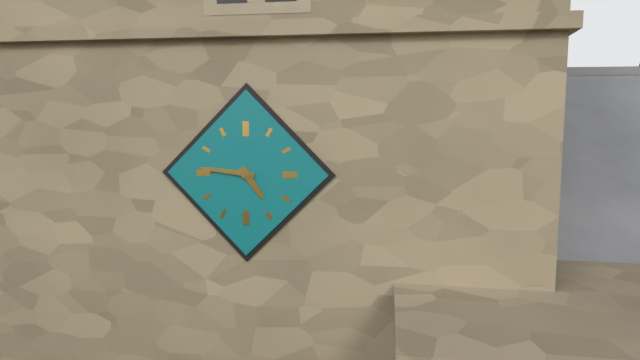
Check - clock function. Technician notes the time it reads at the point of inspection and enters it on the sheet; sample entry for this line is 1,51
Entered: 4,46
